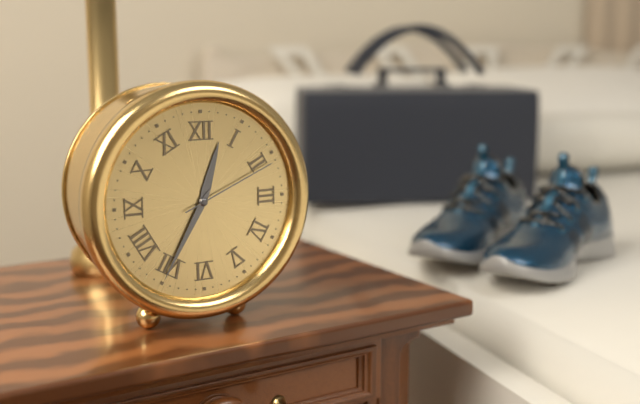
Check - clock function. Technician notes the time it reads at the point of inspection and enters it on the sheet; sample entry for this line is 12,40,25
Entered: 12,35,11
